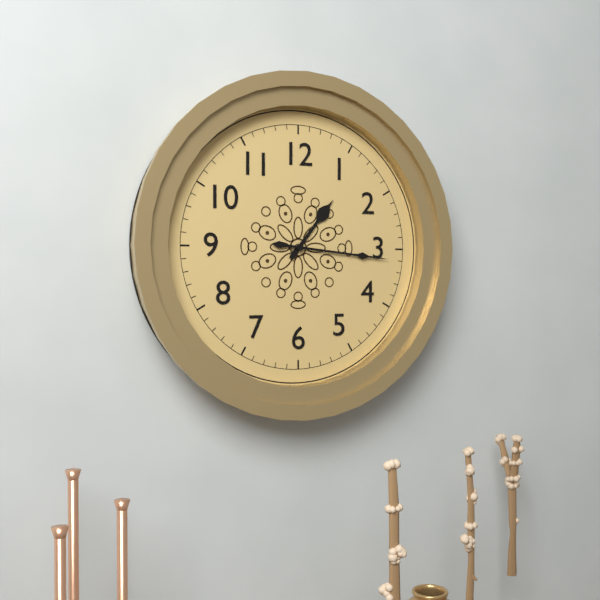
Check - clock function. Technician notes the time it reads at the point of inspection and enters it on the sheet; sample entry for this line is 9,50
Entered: 1,16
